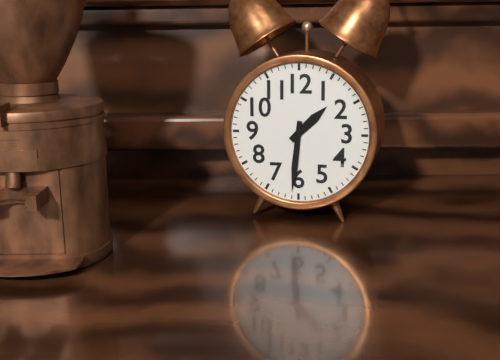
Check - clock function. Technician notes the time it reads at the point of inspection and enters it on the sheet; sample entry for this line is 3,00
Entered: 1,31
